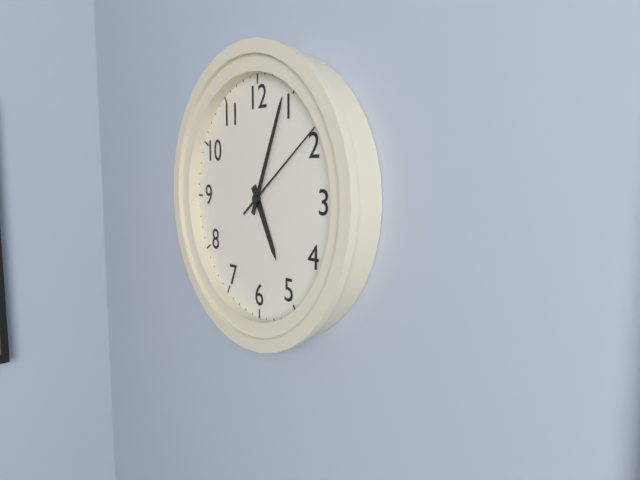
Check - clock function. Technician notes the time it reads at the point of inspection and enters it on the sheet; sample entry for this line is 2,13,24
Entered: 5,04,09
